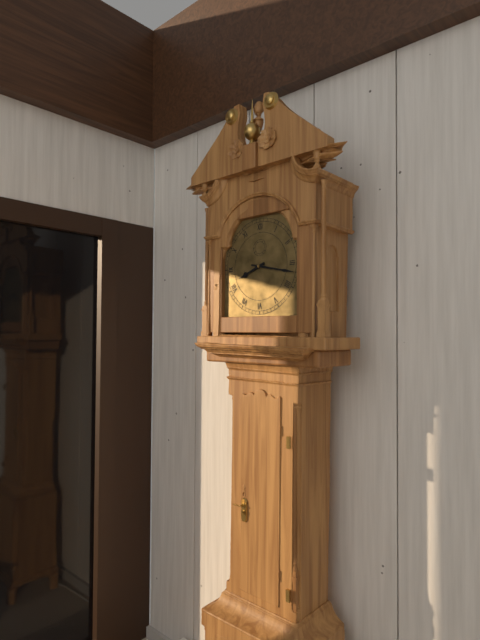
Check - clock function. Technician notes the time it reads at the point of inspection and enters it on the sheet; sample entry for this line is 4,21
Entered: 8,17
